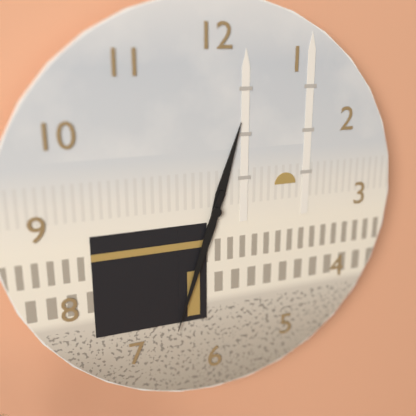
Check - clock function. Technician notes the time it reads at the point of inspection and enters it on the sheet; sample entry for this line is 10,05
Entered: 12,33
